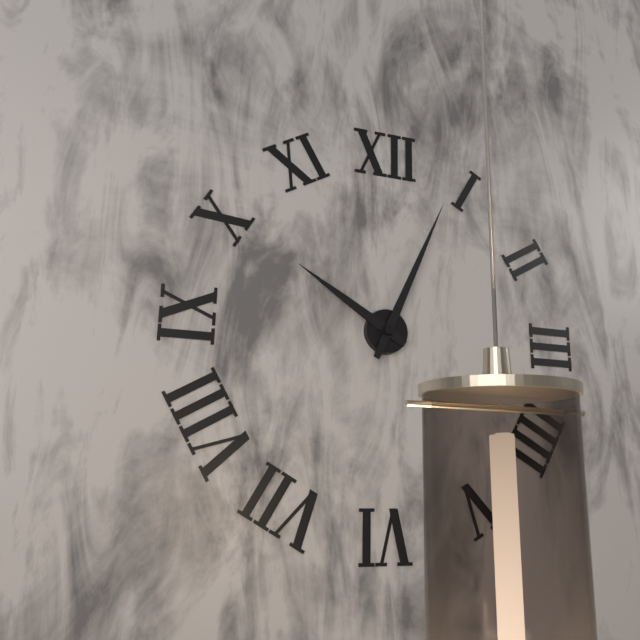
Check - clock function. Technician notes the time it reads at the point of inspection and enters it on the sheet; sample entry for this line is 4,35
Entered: 10,04
